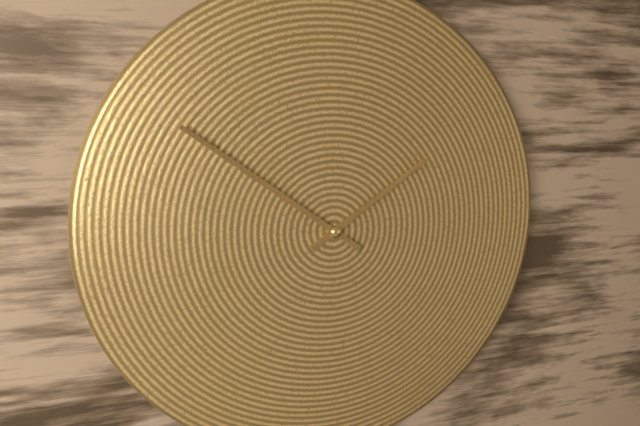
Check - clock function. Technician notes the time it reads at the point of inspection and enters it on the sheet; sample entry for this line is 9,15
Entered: 1,51
